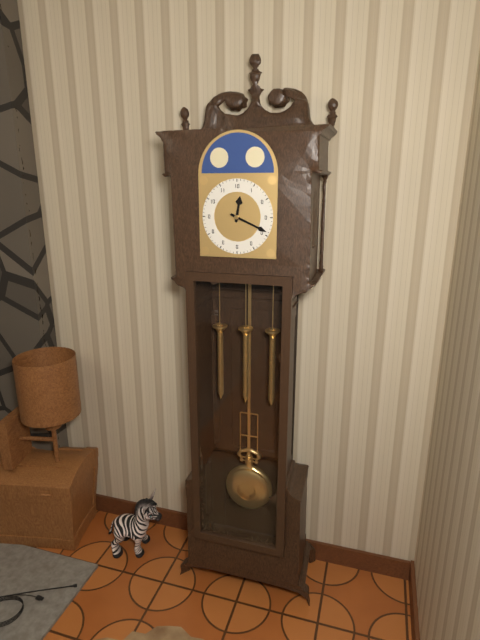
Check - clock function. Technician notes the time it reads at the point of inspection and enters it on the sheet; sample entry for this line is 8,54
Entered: 12,19
